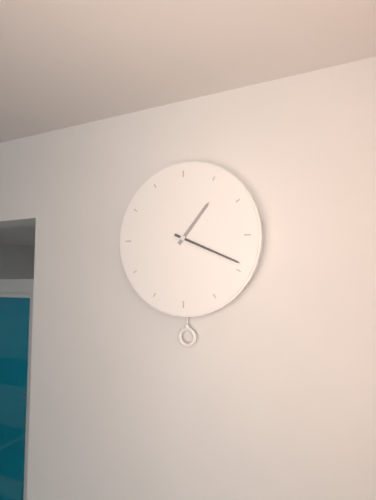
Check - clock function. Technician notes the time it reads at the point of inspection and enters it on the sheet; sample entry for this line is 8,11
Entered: 1,19
